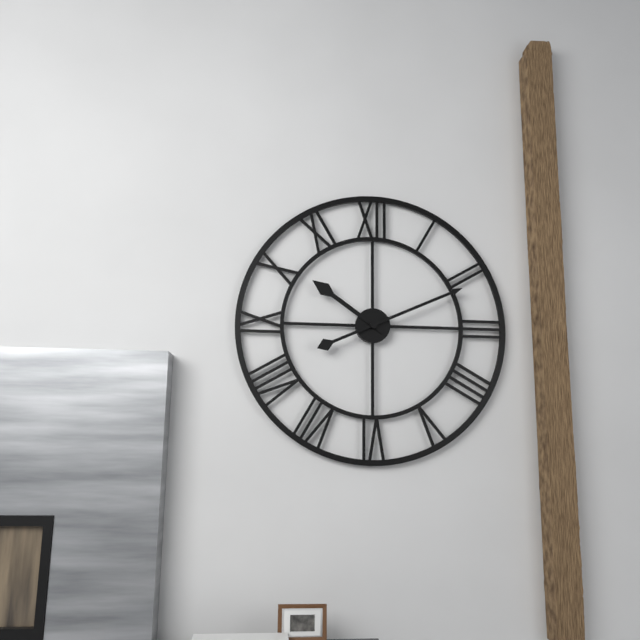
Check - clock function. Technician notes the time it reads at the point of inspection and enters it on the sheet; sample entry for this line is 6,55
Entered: 10,11
